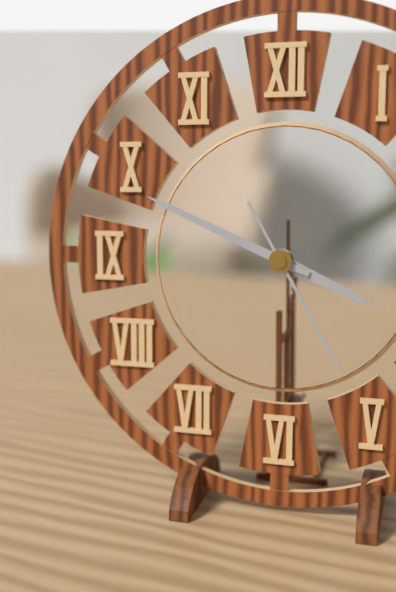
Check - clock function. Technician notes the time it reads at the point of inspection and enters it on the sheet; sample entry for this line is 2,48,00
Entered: 3,49,25
